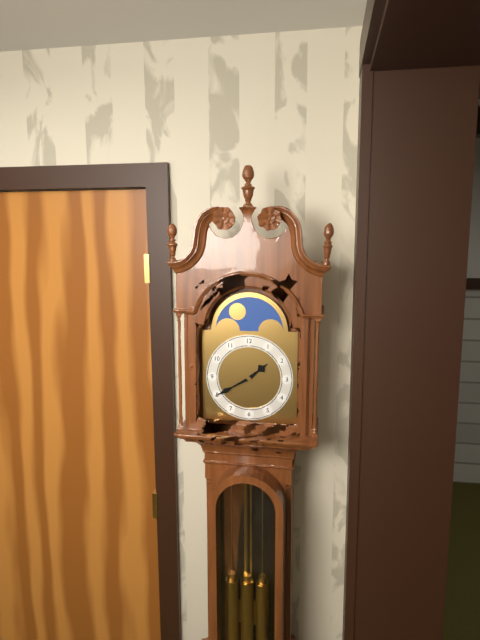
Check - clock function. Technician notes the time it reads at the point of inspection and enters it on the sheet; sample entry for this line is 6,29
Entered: 1,40
